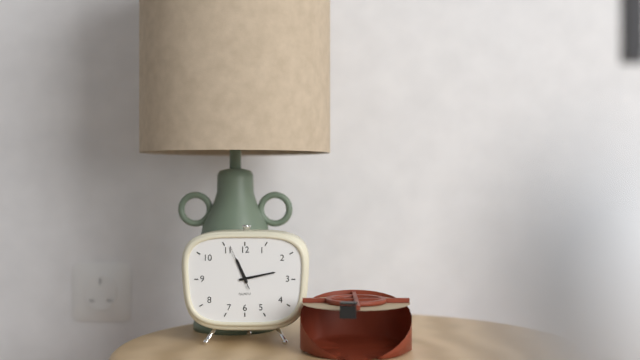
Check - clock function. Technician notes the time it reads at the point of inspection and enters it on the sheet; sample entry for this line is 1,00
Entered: 11,13
